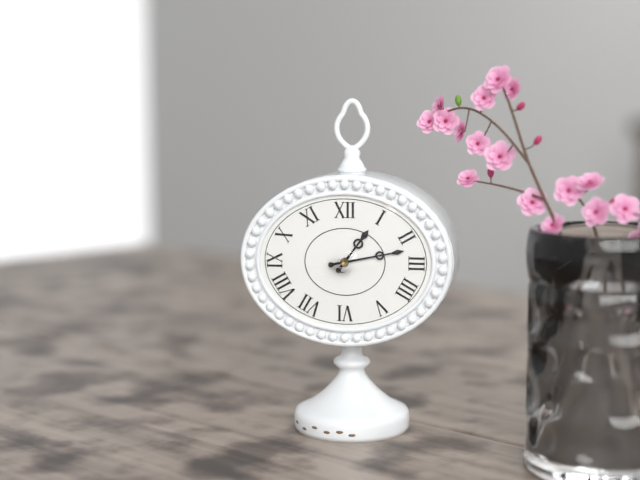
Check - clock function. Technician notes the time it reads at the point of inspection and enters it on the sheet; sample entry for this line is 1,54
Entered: 1,13
